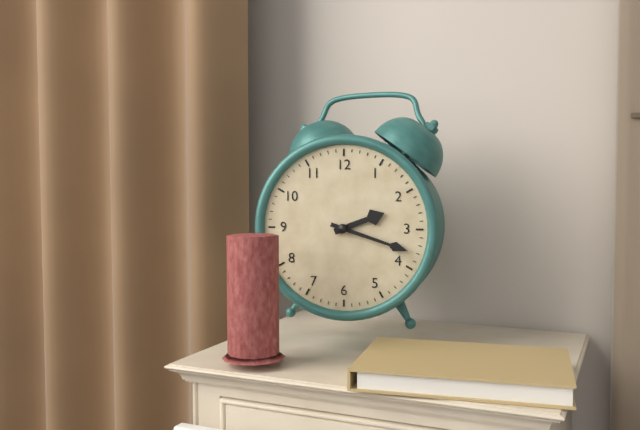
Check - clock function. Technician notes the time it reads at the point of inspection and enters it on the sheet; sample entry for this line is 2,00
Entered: 2,18
